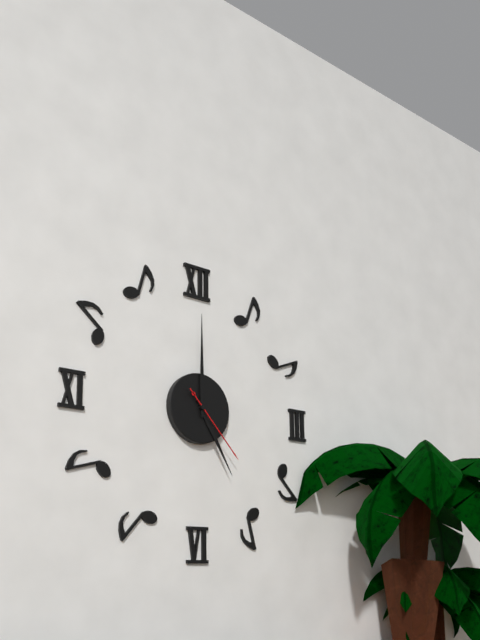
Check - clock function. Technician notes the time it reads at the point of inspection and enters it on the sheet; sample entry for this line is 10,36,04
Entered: 5,00,23
